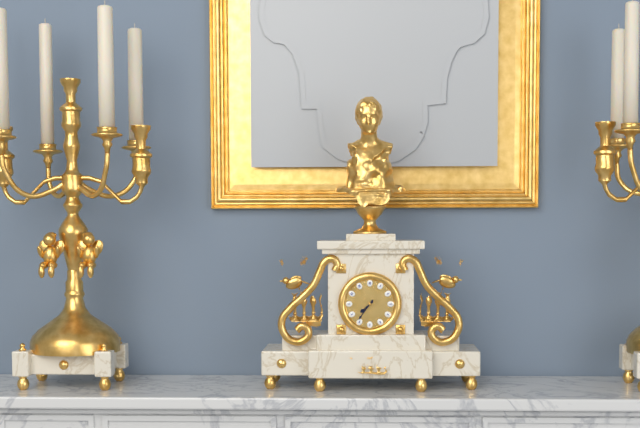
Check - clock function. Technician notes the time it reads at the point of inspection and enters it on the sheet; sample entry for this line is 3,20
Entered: 7,36
